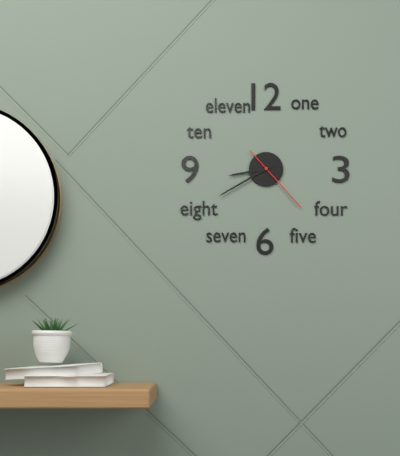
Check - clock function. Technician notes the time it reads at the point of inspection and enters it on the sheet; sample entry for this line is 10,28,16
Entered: 8,40,23
